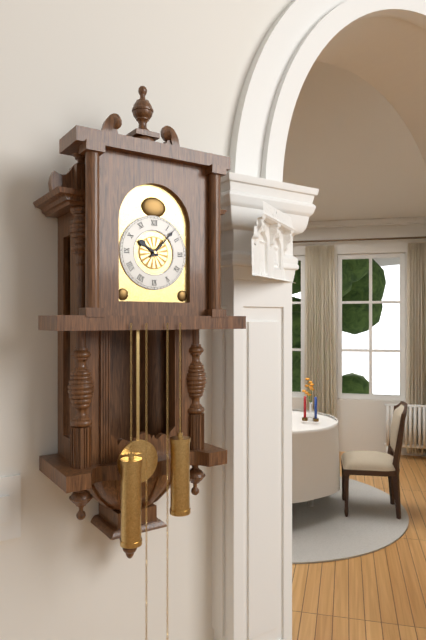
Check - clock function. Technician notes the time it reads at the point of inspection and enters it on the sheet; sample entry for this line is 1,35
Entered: 10,07
